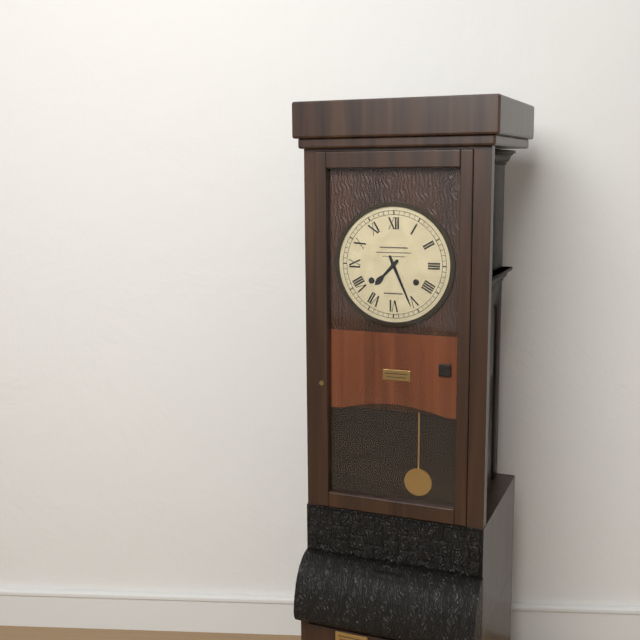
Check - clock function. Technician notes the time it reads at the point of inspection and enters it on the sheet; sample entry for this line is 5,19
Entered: 7,26
